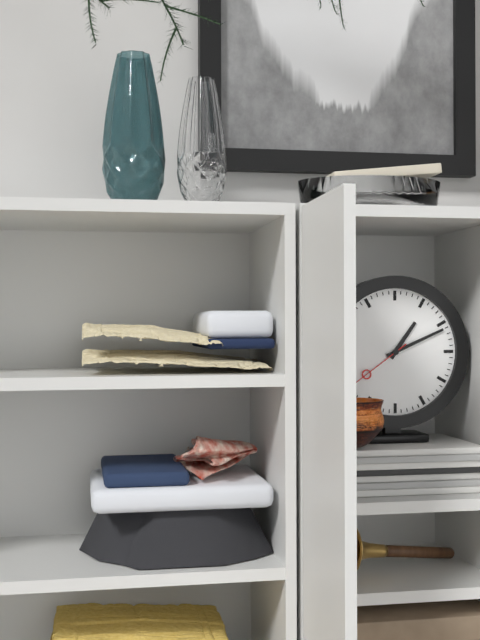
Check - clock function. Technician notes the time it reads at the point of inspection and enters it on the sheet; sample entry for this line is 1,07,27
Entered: 1,11,39
